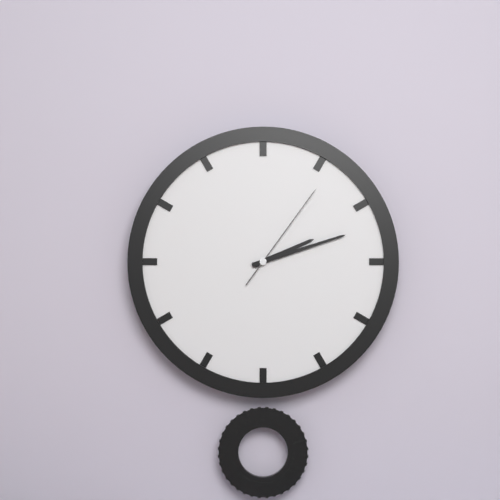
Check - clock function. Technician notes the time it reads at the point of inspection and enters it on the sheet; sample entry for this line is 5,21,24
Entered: 2,12,06
